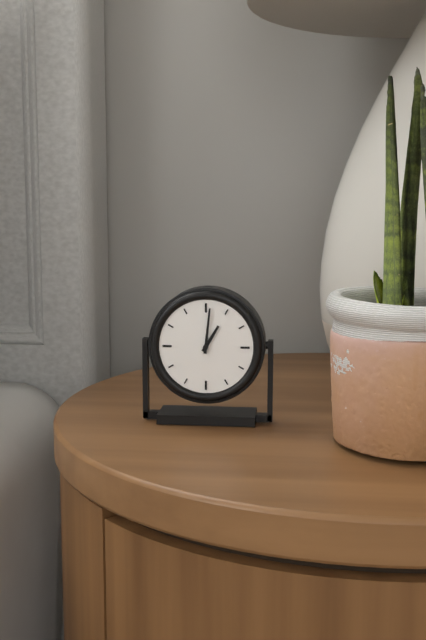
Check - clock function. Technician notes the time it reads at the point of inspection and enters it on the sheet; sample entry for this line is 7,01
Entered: 1,01
